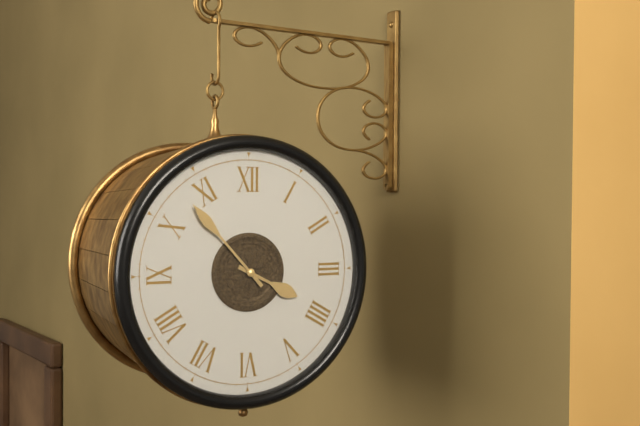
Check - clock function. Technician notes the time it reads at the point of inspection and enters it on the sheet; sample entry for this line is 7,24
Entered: 3,53
